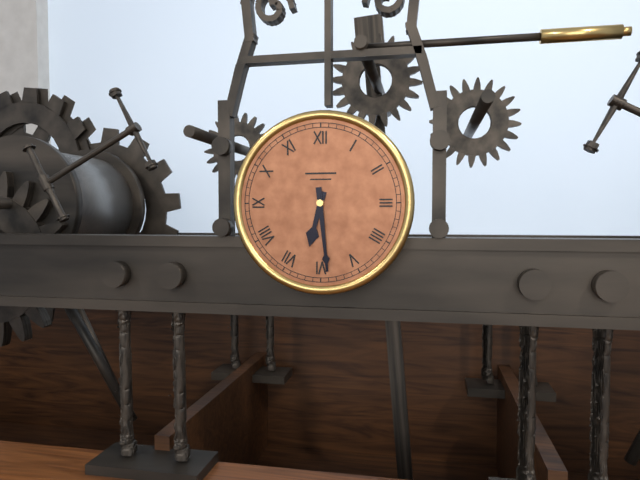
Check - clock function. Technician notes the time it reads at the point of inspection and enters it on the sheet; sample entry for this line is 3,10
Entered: 6,29
